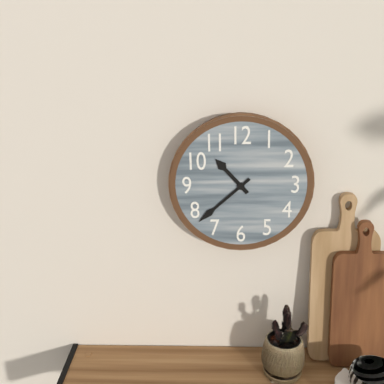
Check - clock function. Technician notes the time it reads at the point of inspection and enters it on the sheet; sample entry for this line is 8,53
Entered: 10,38
